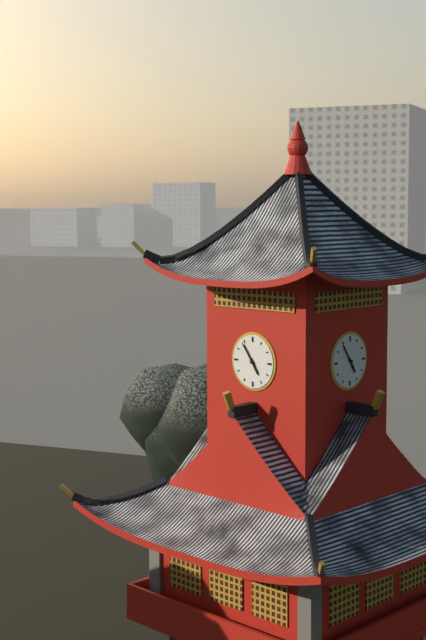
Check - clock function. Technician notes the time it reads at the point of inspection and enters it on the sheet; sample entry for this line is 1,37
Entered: 4,54
